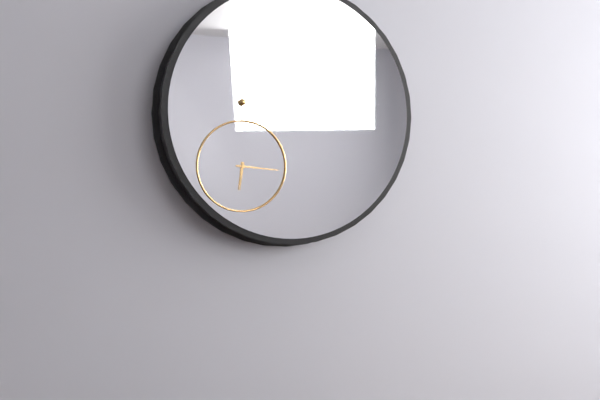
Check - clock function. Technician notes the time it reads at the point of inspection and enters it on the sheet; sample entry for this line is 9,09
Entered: 6,16
